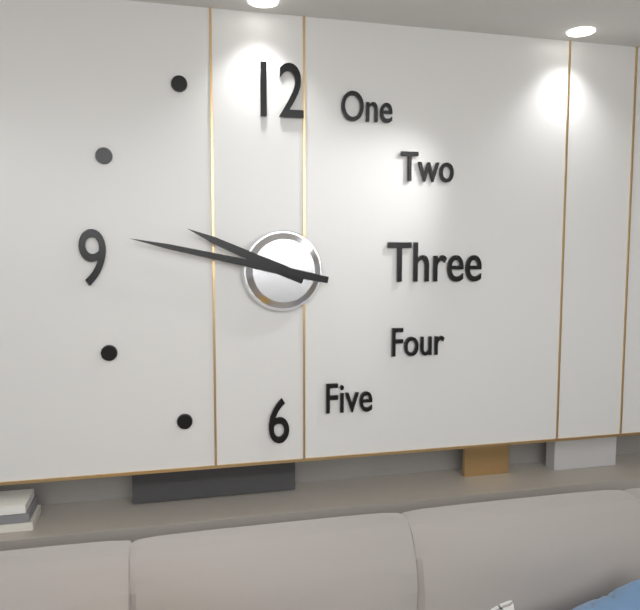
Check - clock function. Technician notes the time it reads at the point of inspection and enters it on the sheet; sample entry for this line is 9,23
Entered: 9,47
